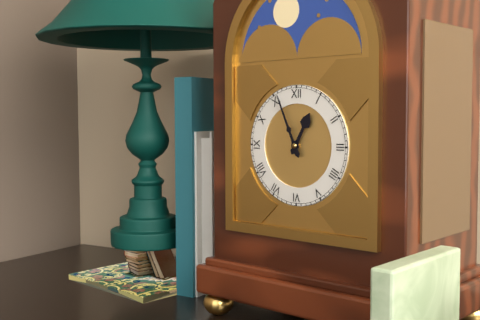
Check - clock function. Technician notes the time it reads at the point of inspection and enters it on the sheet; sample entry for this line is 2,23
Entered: 12,56
